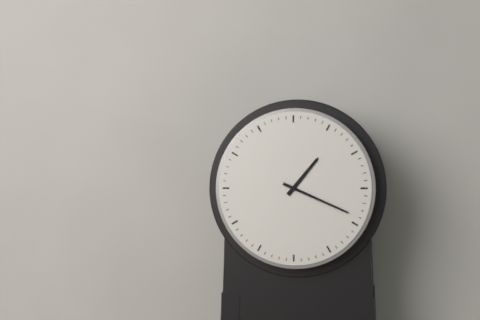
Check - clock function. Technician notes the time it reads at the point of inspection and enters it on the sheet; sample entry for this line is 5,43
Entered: 1,19
